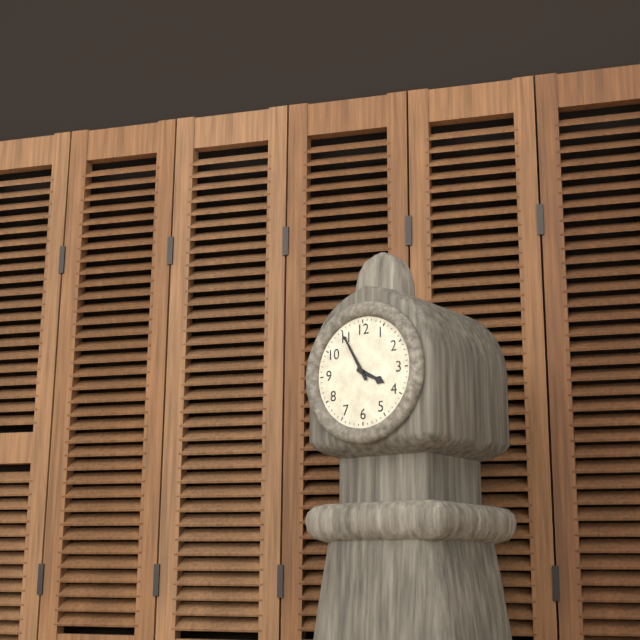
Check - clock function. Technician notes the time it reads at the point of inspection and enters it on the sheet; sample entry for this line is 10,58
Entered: 3,55
